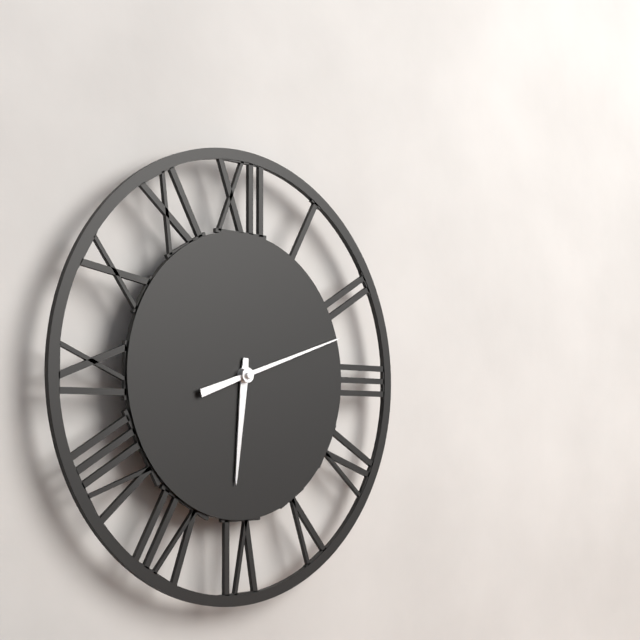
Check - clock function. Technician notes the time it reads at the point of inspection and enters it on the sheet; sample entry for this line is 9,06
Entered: 6,12
